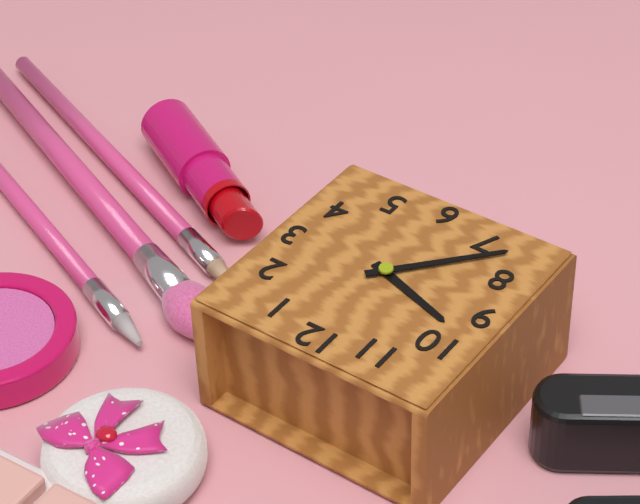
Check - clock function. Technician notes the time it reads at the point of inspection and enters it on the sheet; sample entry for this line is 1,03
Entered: 9,37
